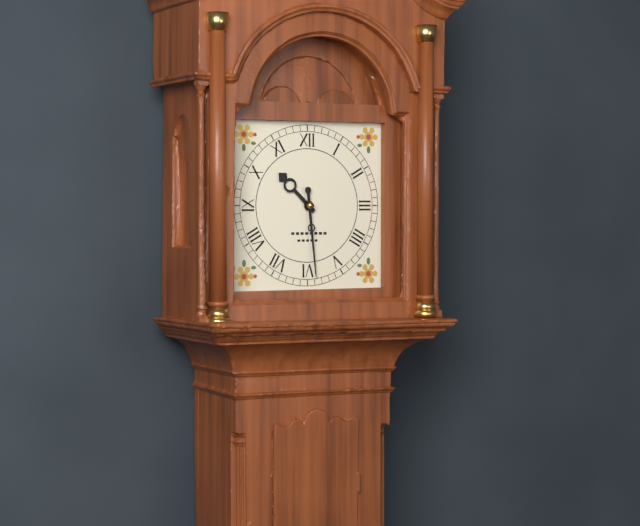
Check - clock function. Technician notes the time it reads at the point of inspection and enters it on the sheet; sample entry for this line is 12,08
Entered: 10,29
